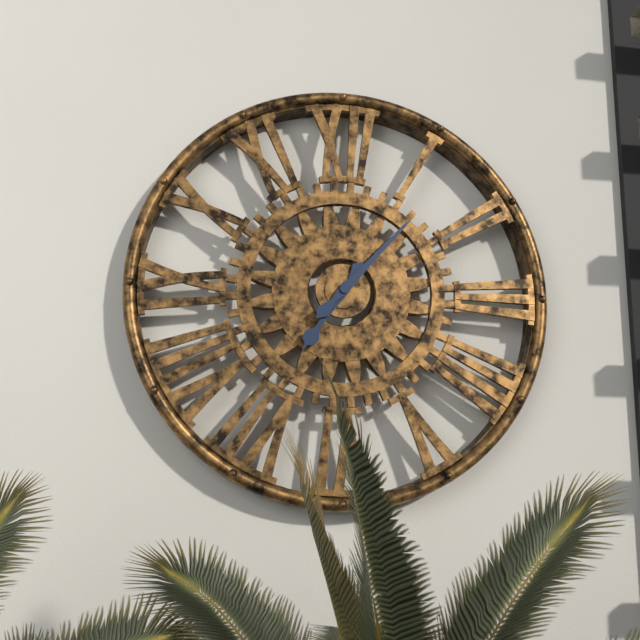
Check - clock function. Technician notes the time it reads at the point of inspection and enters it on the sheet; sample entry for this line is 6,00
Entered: 7,07
